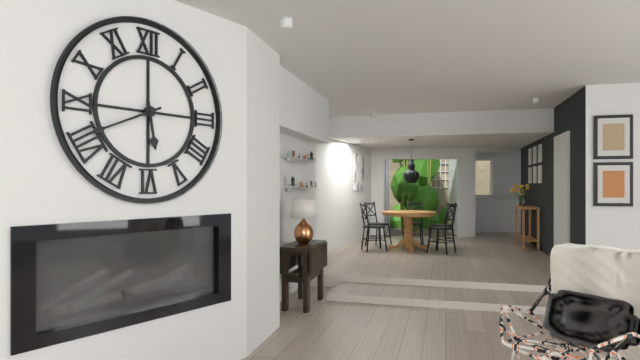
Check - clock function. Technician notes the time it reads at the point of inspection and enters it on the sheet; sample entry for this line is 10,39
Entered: 5,41
